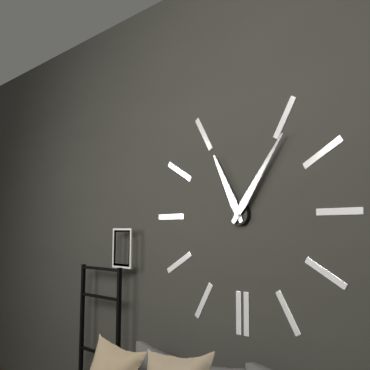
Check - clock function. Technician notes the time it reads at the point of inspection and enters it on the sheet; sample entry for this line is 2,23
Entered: 11,06
